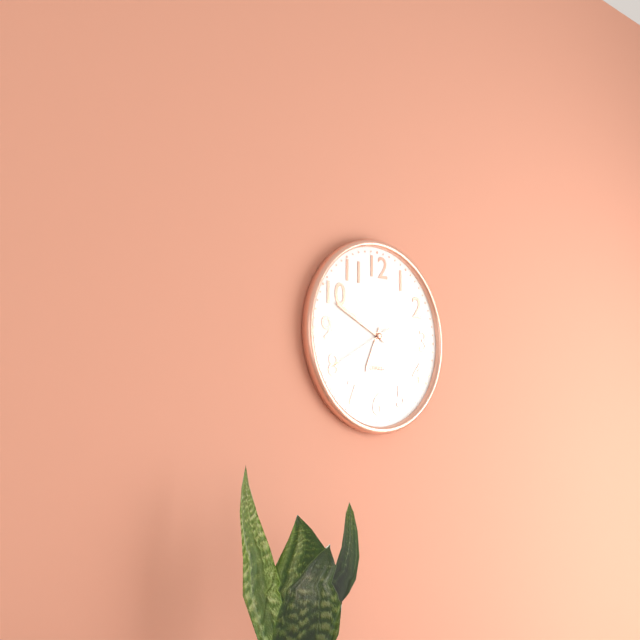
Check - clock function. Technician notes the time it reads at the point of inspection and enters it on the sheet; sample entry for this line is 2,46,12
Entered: 6,49,40
